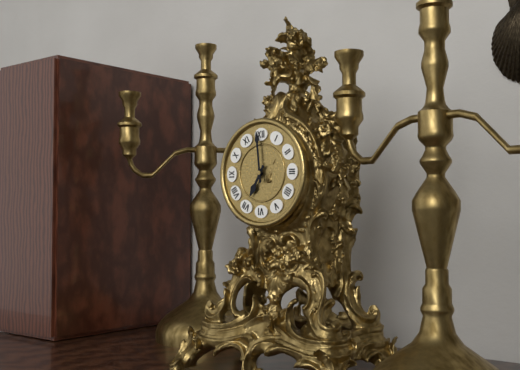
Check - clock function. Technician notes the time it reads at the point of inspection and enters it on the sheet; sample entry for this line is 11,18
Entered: 6,59
